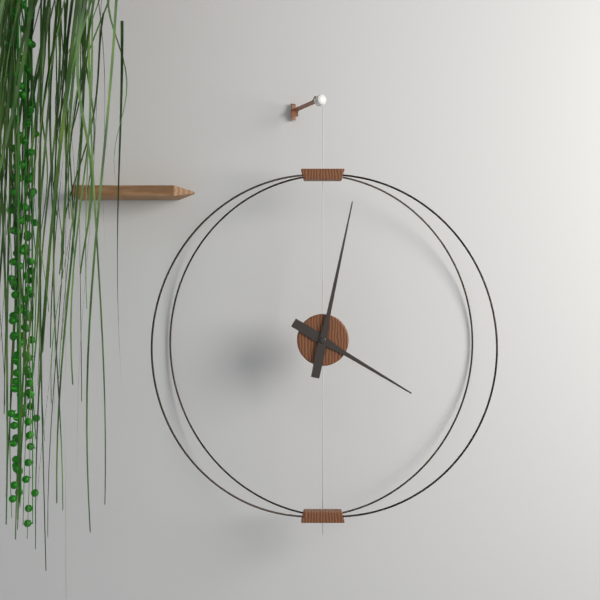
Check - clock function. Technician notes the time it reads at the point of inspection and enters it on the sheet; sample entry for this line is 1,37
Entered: 4,02
